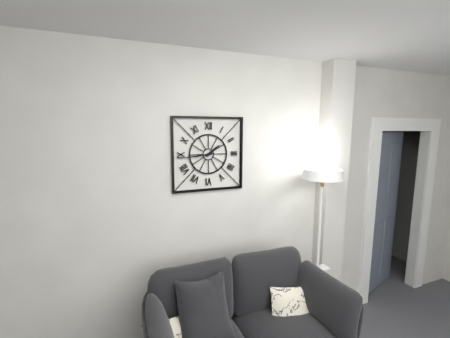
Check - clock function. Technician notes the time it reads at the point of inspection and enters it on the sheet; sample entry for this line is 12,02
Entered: 1,44
